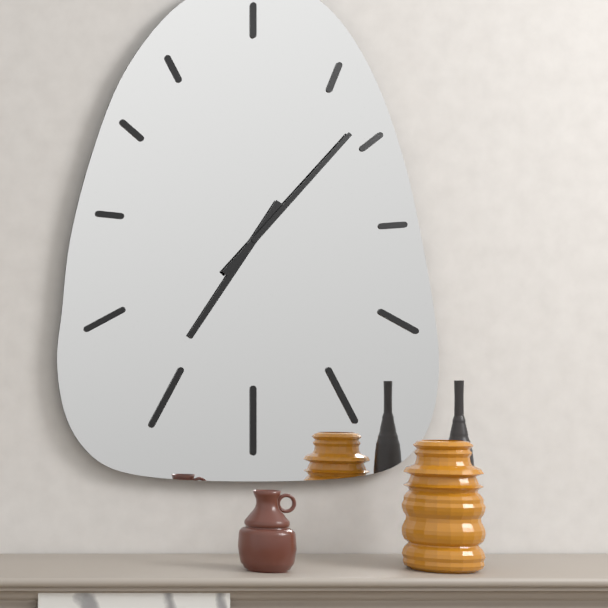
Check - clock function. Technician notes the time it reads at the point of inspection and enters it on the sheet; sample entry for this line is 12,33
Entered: 7,07
